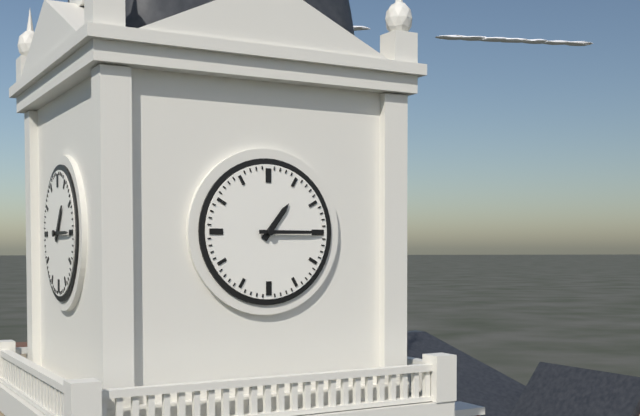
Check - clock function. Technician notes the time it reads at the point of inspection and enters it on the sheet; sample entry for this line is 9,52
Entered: 1,15
